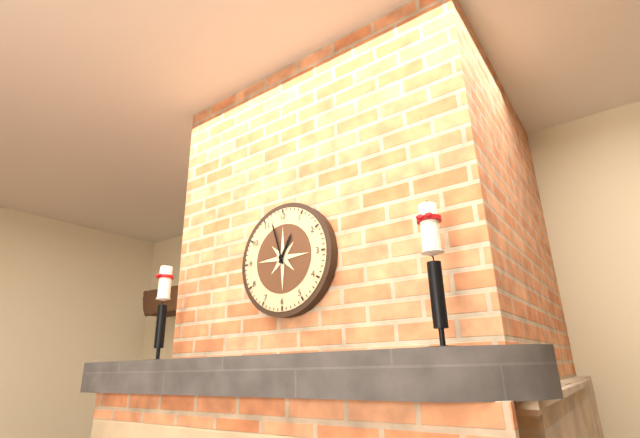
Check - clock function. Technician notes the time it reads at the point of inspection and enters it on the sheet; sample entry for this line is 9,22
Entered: 12,57
